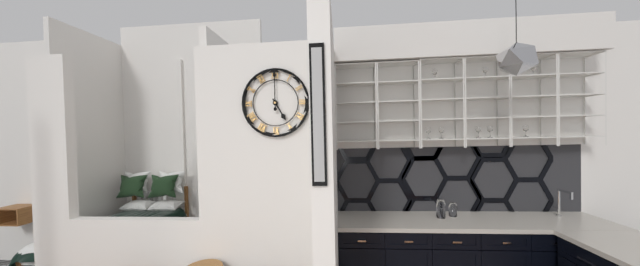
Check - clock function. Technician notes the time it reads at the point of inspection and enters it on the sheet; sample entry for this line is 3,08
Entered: 5,00
